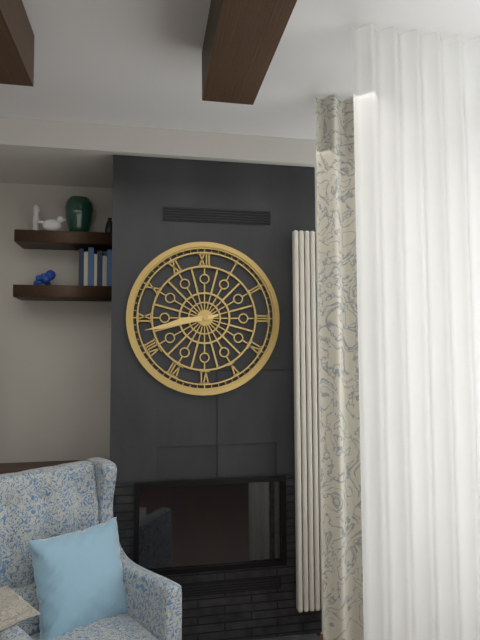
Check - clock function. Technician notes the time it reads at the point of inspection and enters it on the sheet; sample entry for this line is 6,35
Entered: 8,43
